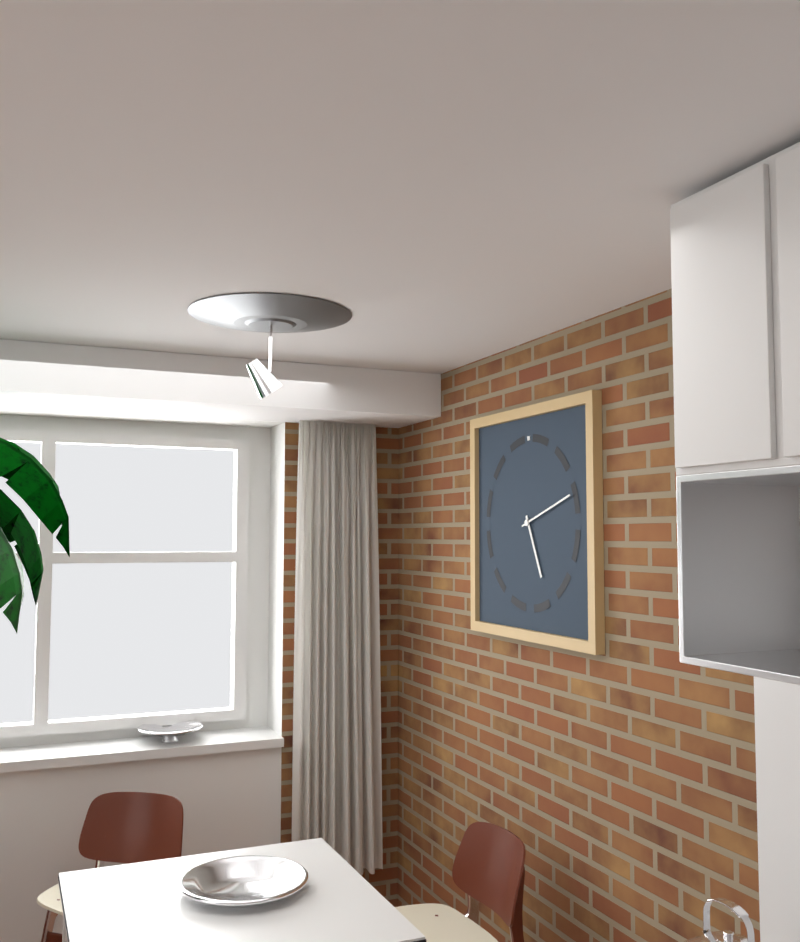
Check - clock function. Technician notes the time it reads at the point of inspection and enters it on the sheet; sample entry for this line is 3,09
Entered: 5,12
